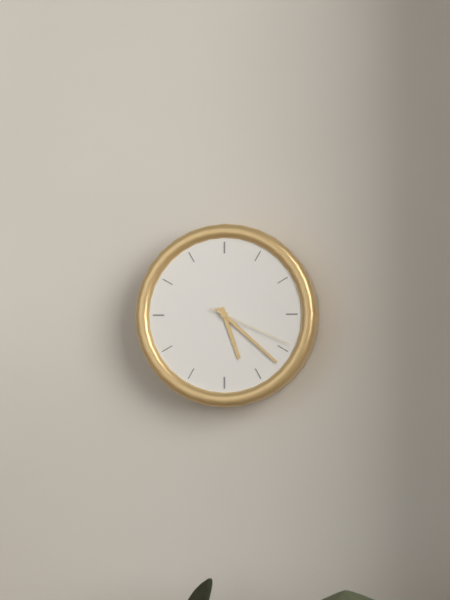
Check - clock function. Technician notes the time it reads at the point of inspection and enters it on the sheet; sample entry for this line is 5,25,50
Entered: 5,22,19
